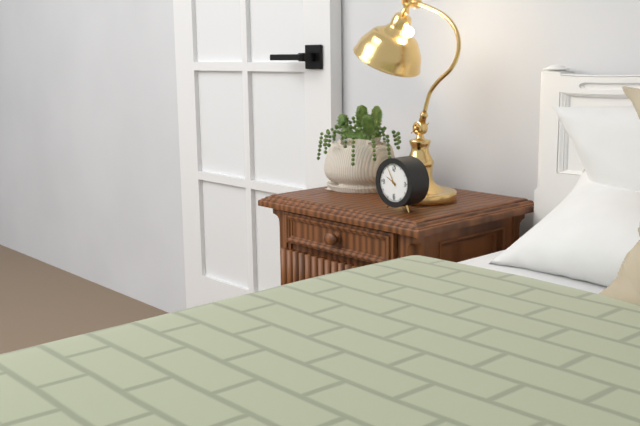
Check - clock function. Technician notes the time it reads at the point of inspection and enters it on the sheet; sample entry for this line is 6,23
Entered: 9,55
